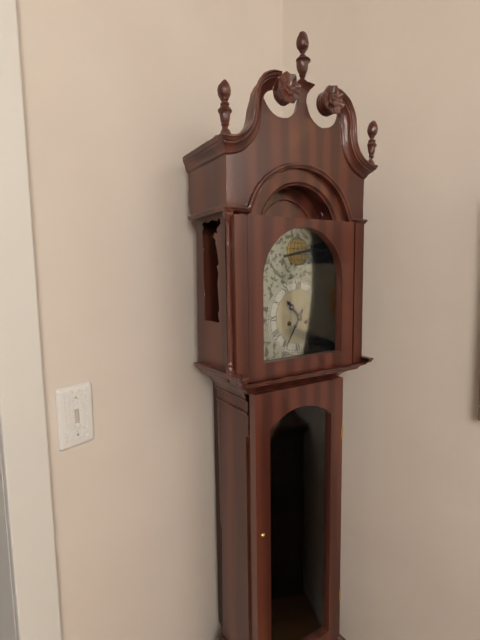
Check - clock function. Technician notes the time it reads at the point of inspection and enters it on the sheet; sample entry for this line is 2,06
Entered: 10,35
